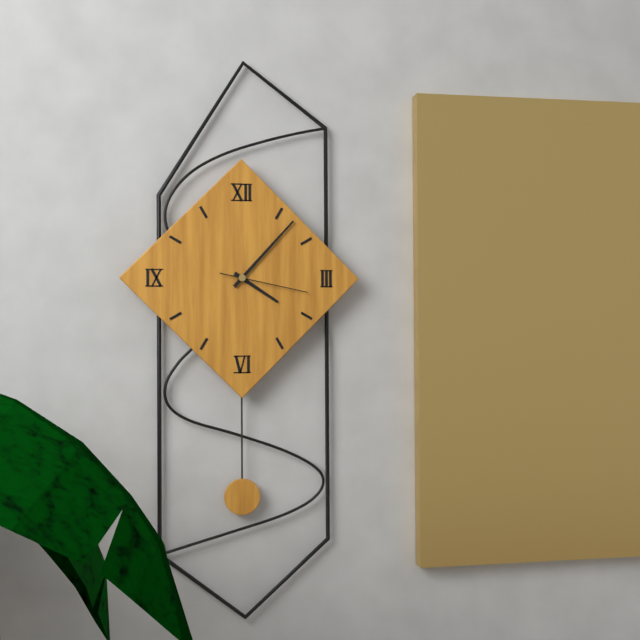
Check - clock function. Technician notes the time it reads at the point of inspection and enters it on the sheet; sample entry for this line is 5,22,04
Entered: 4,07,17
